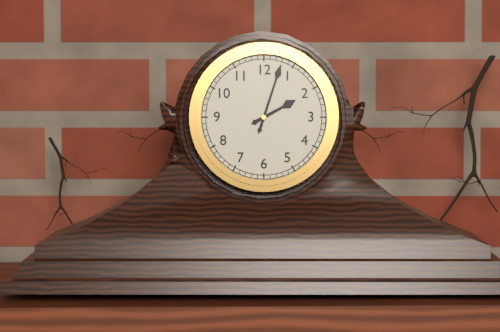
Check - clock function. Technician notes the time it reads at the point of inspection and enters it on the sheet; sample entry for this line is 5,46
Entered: 2,03
